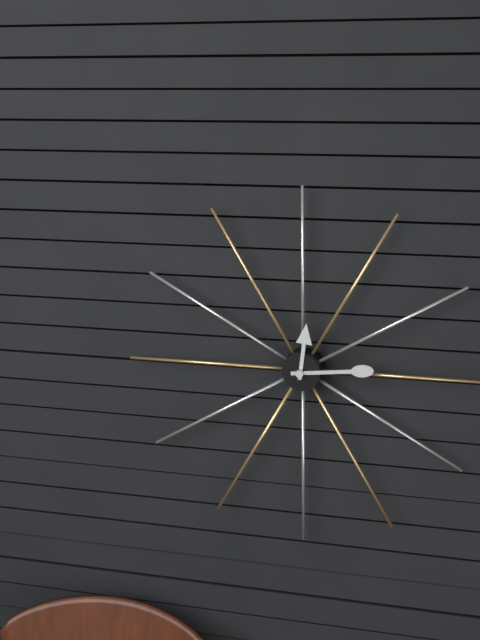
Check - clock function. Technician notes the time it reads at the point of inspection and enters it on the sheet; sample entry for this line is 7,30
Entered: 12,14
